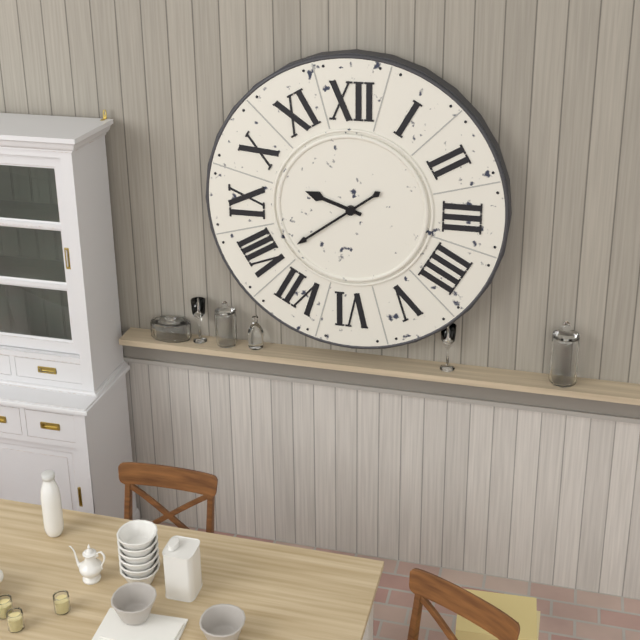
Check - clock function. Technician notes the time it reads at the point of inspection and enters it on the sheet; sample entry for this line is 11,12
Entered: 9,39
